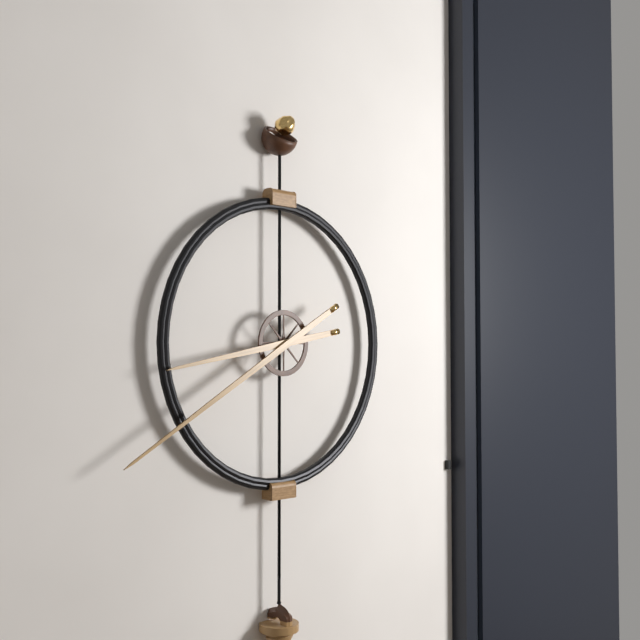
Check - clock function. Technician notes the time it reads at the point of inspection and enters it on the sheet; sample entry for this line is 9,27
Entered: 8,40
